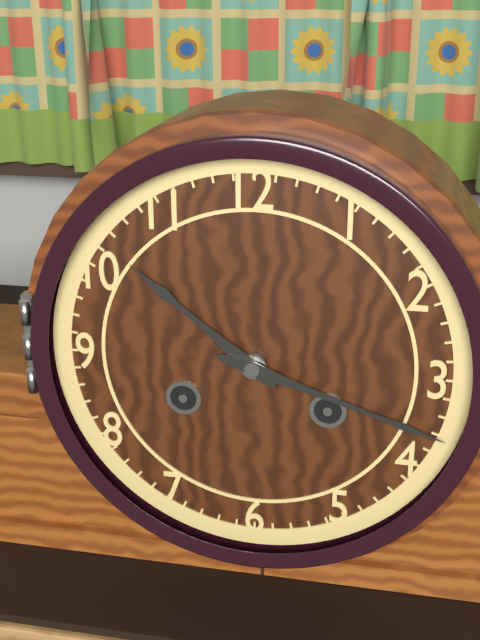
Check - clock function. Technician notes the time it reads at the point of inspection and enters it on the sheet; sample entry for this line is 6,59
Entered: 10,18
